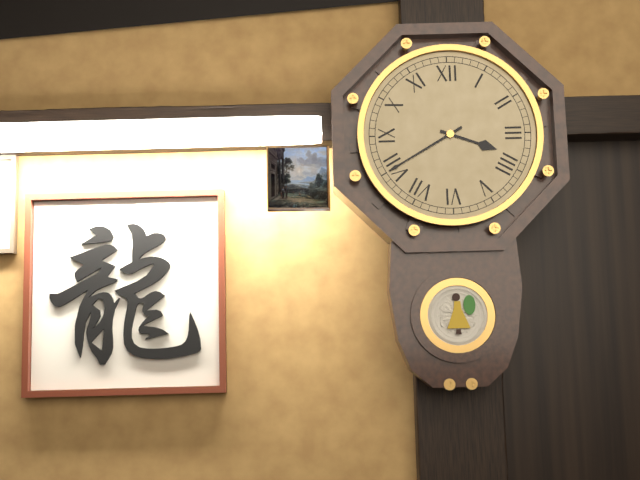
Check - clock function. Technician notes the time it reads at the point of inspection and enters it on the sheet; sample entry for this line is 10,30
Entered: 3,40
